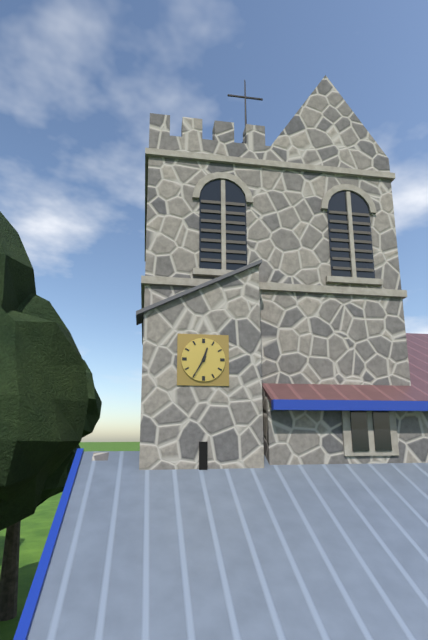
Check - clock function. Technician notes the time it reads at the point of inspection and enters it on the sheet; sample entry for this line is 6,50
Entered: 12,35
